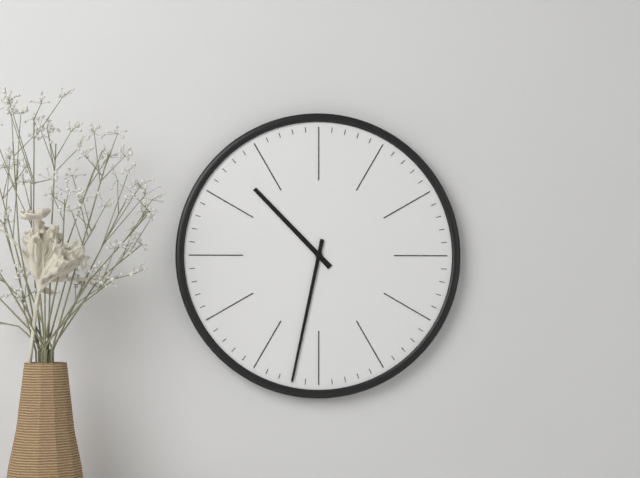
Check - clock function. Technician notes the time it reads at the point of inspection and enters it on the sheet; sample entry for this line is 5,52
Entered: 10,32
